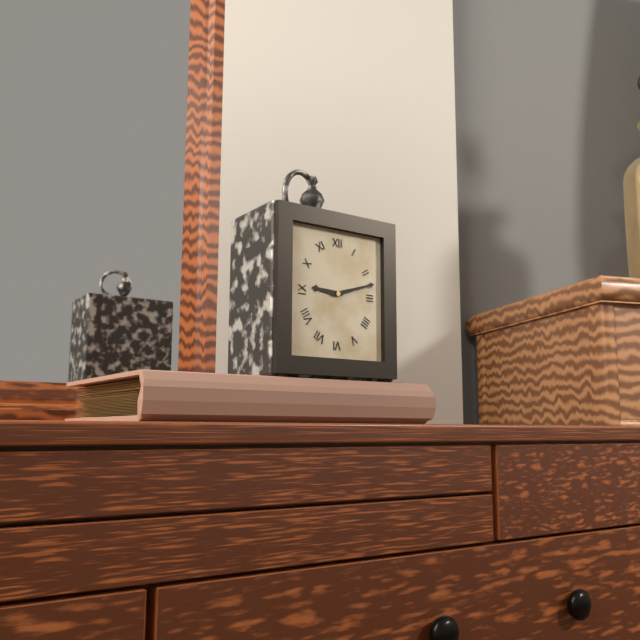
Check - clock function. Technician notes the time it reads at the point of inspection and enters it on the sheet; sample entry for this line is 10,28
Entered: 9,12
